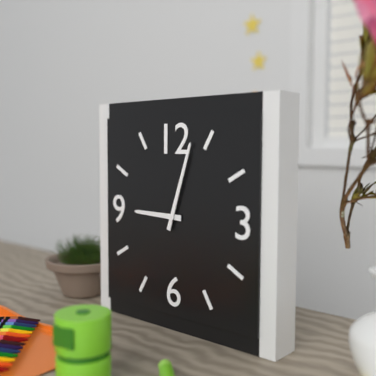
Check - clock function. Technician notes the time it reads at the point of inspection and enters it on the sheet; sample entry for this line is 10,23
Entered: 9,03
